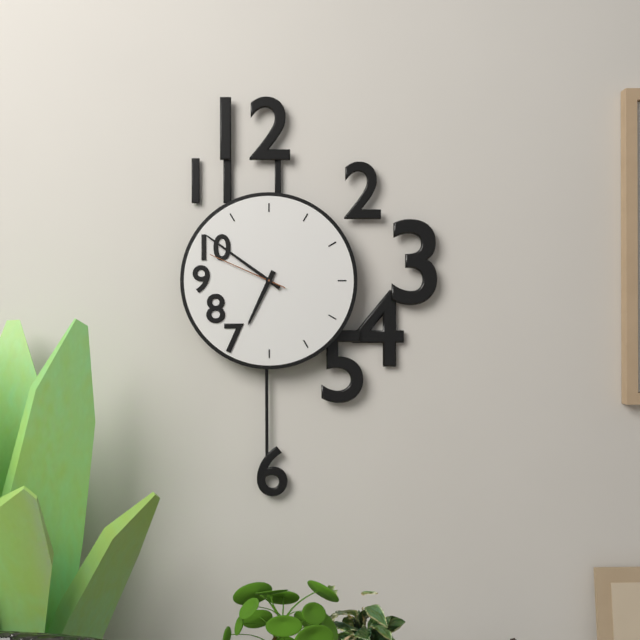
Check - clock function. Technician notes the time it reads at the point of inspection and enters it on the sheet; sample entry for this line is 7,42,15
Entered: 6,51,49
